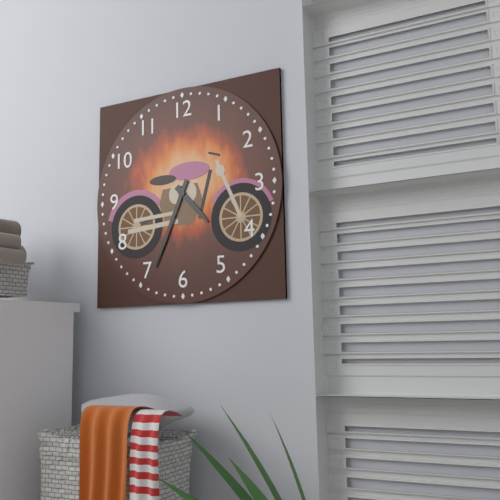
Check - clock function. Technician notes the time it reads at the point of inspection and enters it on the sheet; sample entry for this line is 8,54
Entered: 4,34
